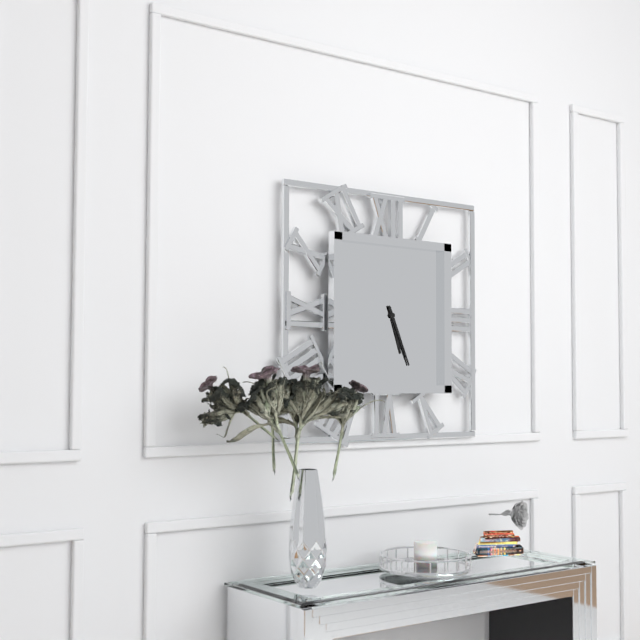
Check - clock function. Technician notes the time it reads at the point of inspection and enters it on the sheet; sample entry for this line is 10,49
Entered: 5,26
